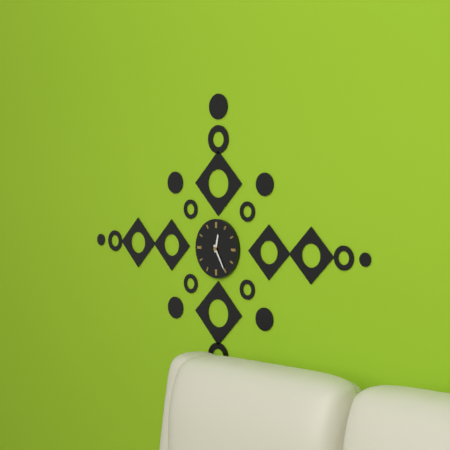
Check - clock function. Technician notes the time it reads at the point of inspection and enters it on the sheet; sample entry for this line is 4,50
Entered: 12,25
